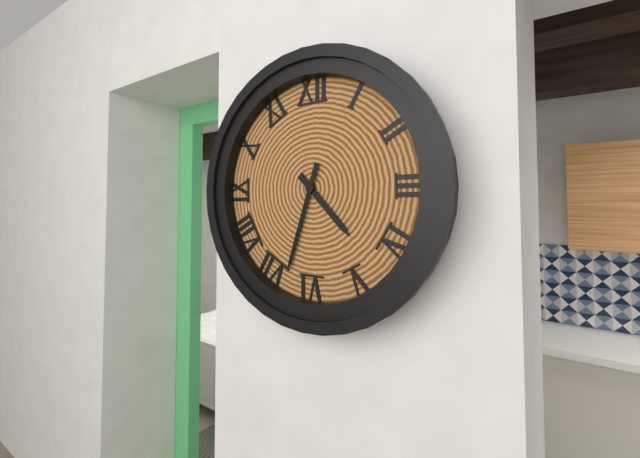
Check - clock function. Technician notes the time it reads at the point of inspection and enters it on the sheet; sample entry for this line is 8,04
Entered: 4,33
